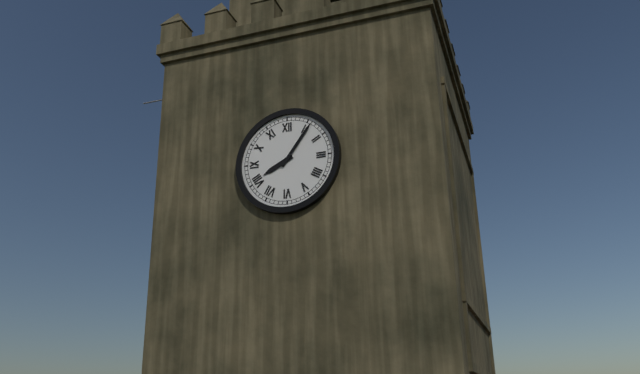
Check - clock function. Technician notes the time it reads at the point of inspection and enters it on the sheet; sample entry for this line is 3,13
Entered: 8,06
